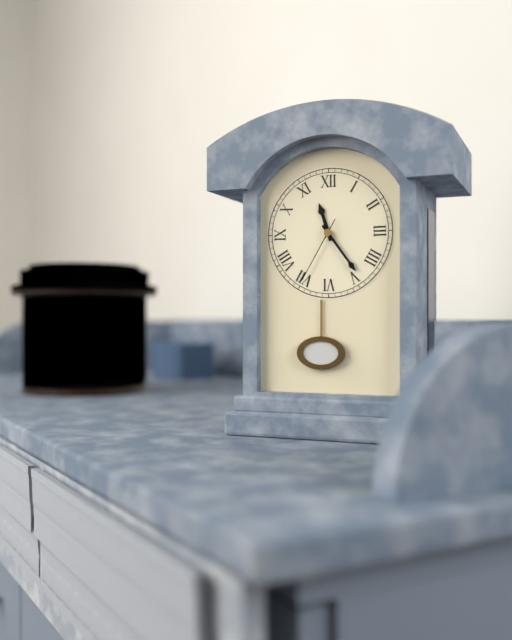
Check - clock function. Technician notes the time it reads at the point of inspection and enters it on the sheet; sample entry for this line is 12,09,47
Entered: 11,24,35
